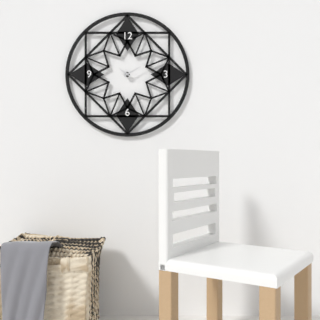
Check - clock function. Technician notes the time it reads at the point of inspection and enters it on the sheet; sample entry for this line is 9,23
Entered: 10,10
